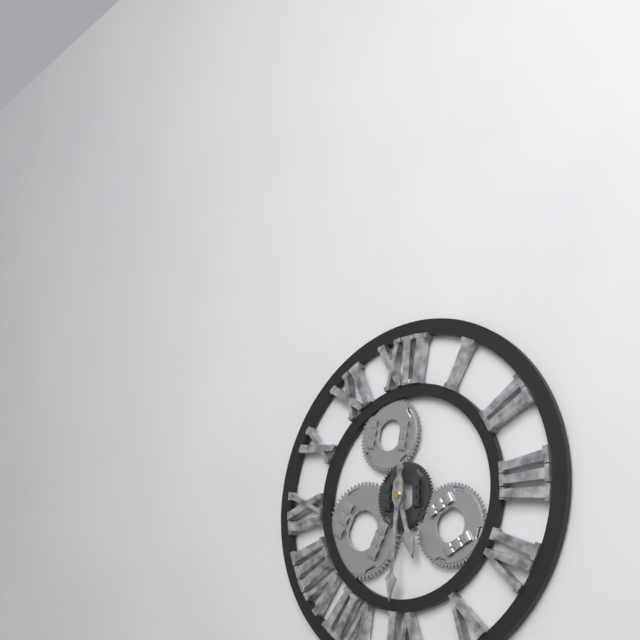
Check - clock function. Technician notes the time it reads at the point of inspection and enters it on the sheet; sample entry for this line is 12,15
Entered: 5,31
